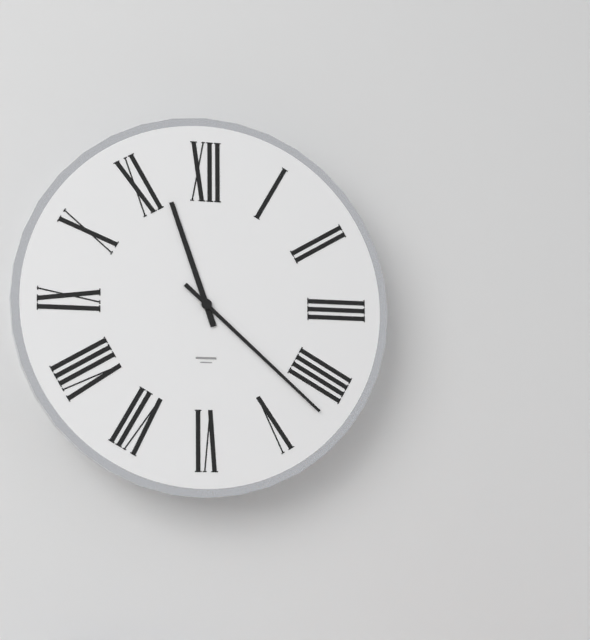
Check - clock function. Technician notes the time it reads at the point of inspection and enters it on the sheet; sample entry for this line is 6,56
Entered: 11,22
